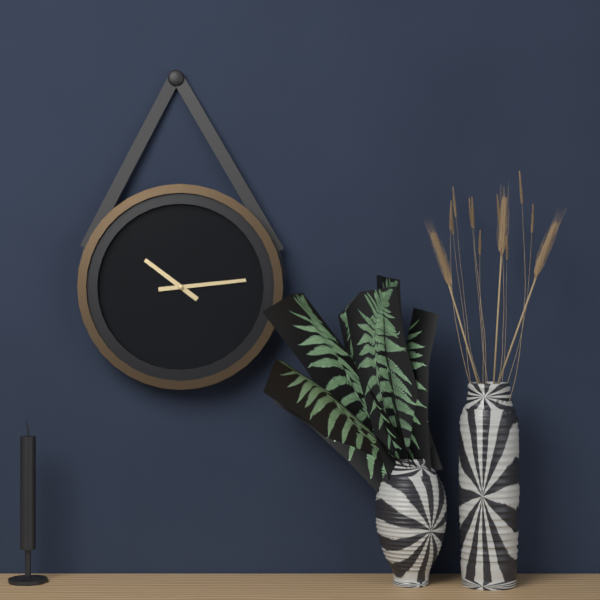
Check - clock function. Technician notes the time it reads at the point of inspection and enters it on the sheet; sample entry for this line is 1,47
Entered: 10,14
